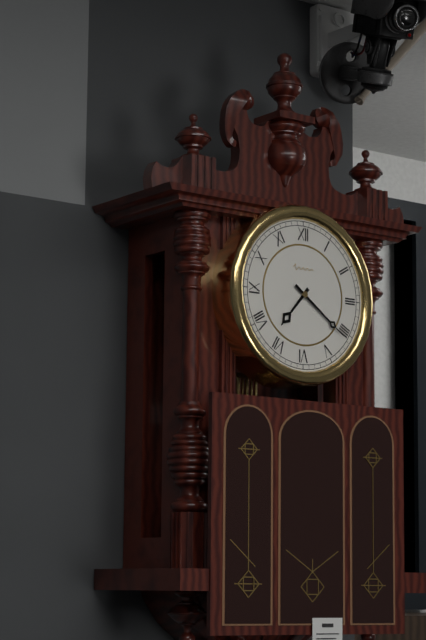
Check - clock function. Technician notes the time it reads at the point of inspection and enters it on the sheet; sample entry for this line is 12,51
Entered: 7,21
